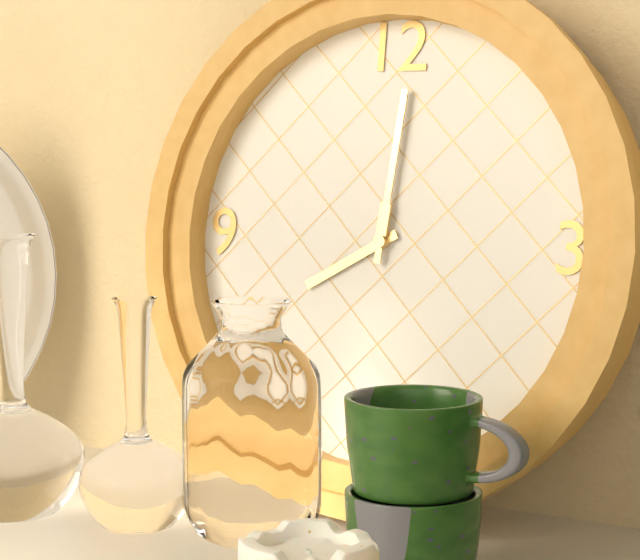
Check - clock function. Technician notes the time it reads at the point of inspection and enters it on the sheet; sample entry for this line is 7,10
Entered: 8,01
